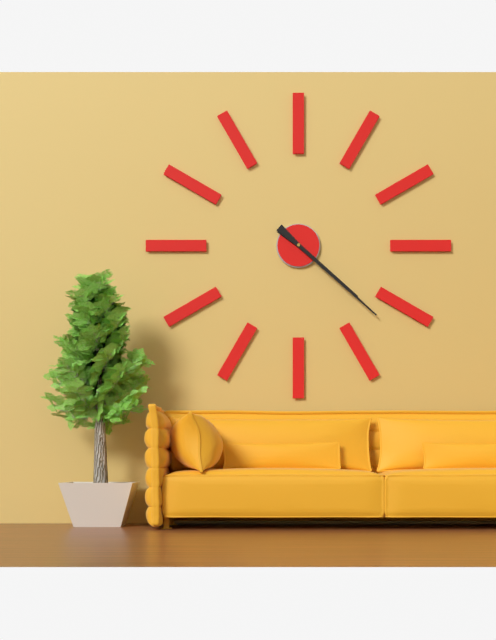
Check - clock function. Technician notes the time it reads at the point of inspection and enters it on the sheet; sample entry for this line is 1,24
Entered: 4,22
